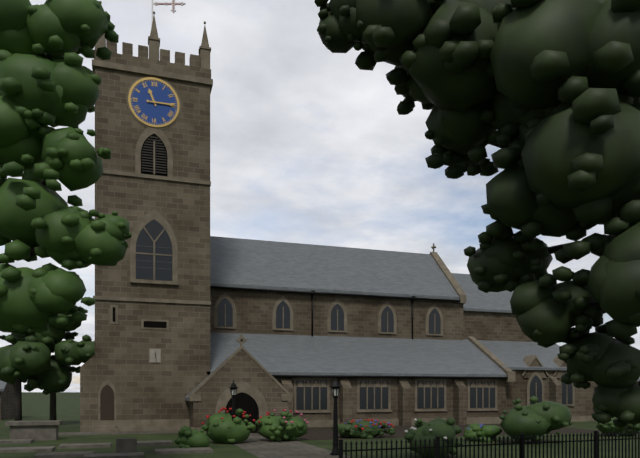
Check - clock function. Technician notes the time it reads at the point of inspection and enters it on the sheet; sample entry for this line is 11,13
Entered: 11,15
